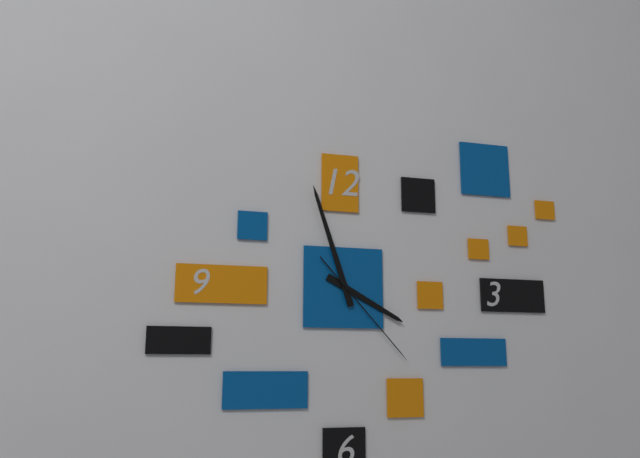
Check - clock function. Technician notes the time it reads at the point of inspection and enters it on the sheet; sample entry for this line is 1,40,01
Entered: 3,57,23
